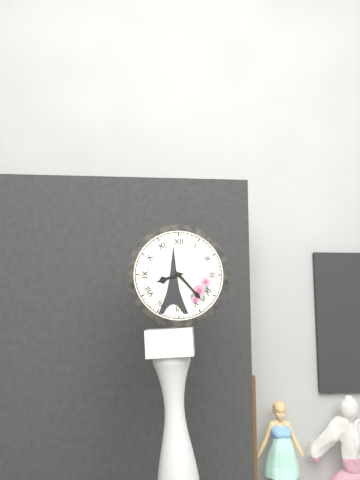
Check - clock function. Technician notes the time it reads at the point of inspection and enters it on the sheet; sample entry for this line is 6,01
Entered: 8,23
